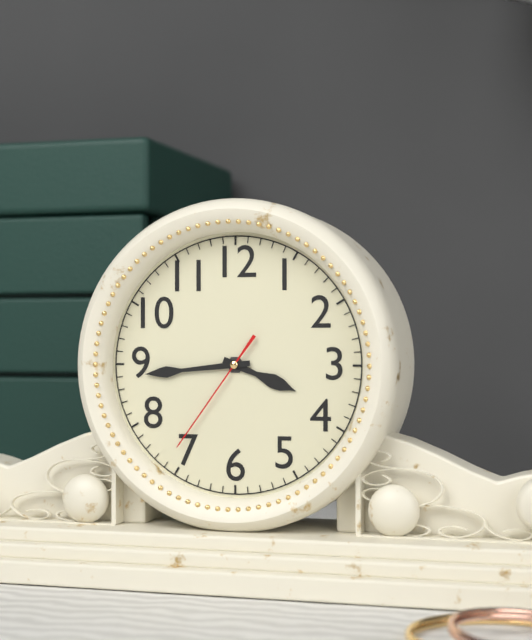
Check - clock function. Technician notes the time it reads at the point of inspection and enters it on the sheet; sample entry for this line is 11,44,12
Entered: 3,44,36
